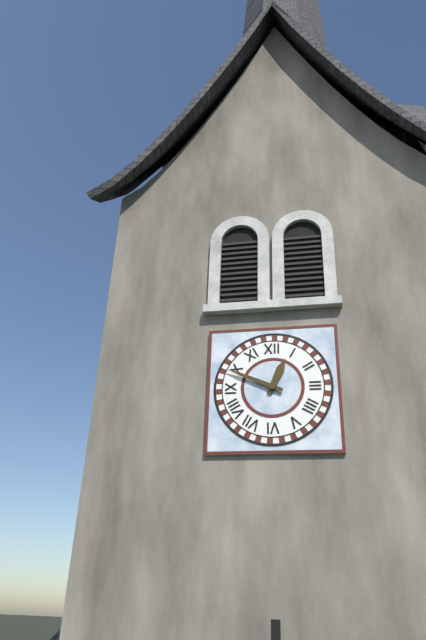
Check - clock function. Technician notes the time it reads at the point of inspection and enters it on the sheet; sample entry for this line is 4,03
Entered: 12,49
